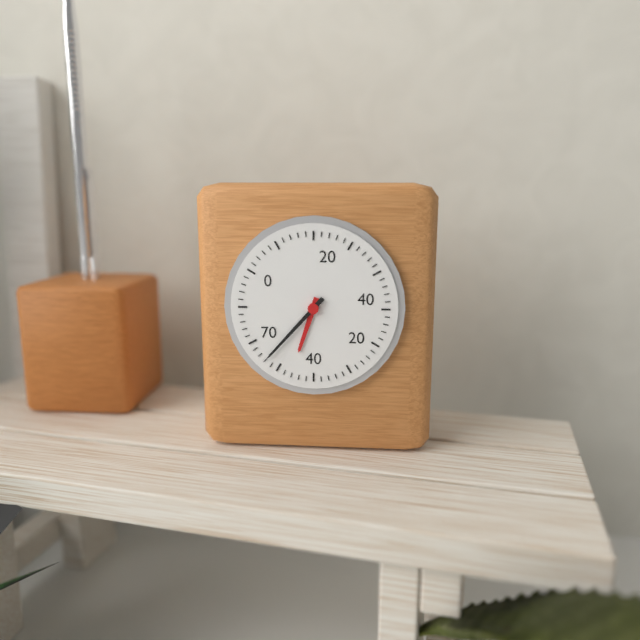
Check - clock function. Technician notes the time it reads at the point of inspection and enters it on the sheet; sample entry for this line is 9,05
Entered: 6,37
